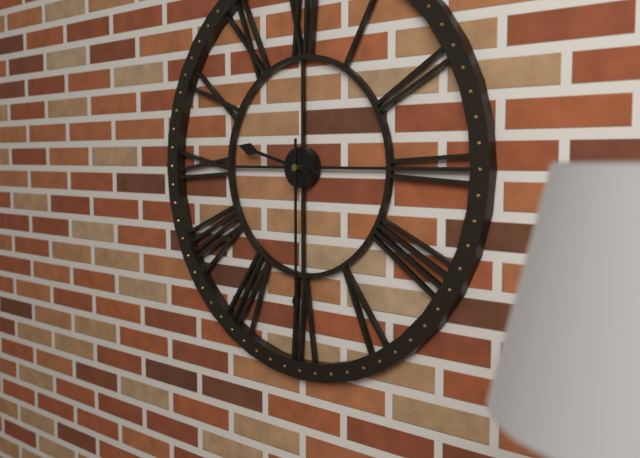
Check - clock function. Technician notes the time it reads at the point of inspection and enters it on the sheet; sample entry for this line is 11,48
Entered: 9,30
